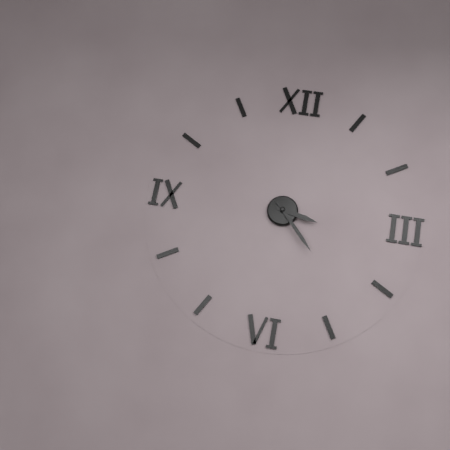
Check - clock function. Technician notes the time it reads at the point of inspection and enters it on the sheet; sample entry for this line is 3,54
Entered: 3,23
